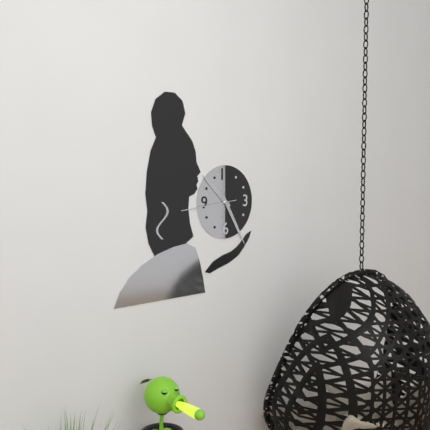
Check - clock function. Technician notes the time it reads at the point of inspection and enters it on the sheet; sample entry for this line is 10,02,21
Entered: 10,25,44
